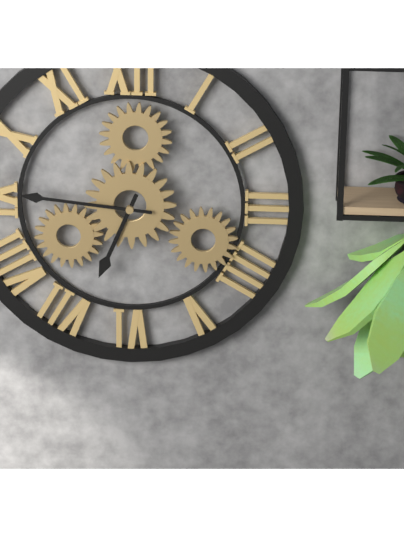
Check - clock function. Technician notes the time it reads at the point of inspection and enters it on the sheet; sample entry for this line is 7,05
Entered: 6,46
